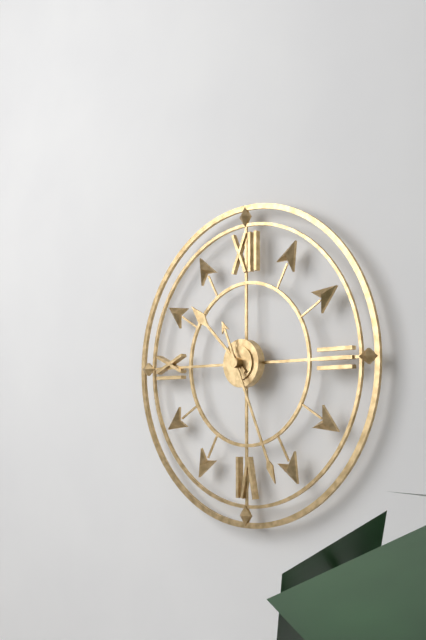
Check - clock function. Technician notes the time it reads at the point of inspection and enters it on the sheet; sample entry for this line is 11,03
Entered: 10,26
